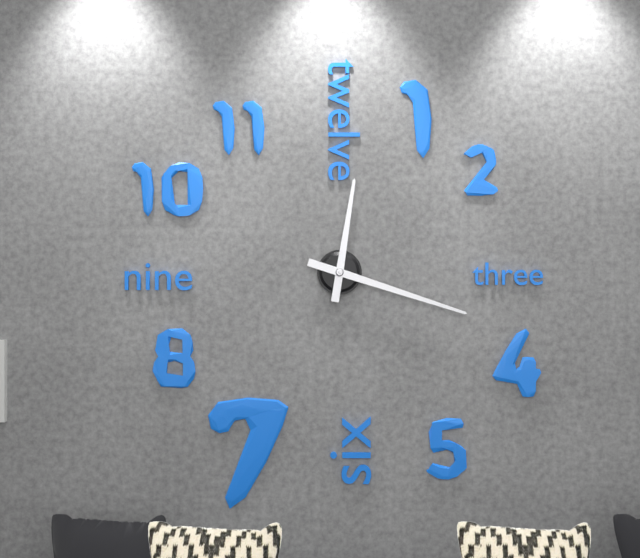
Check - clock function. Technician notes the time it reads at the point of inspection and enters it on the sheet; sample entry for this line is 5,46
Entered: 12,18
